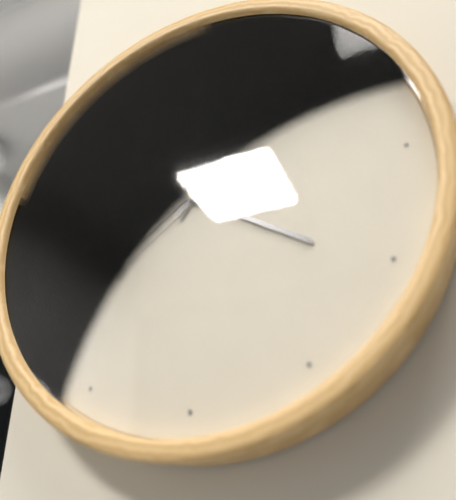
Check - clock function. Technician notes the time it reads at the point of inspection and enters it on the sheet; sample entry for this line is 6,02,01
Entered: 4,06,09
